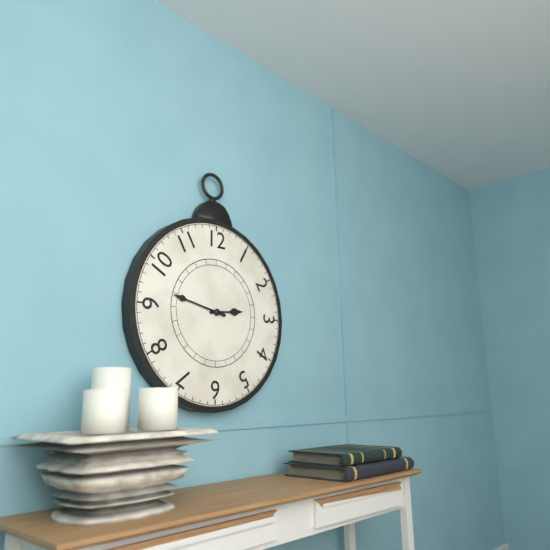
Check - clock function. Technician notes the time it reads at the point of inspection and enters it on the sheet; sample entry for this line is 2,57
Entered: 2,47
